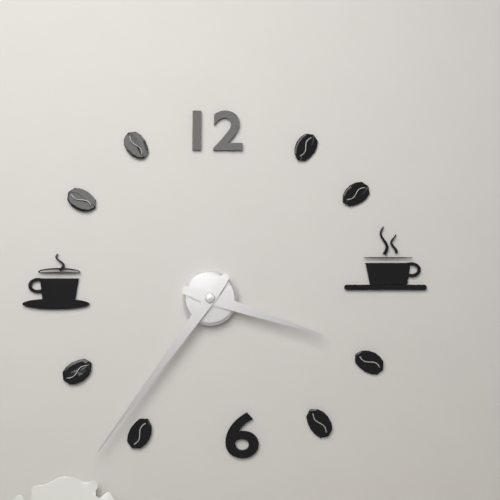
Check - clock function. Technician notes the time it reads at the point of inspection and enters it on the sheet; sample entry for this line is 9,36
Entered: 3,36
